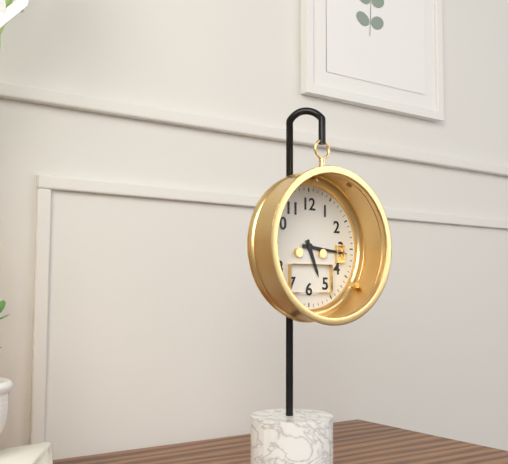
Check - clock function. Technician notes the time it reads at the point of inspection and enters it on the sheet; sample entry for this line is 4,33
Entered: 5,16
